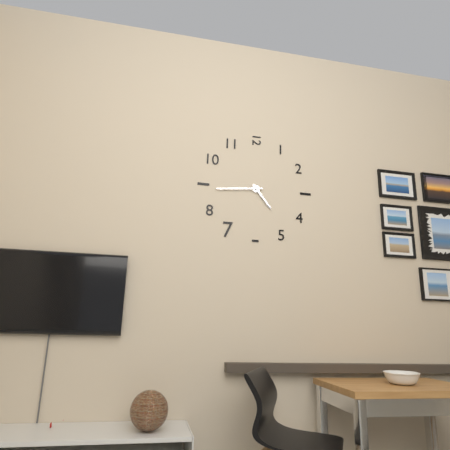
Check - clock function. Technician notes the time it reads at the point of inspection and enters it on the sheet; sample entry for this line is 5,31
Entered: 4,44
